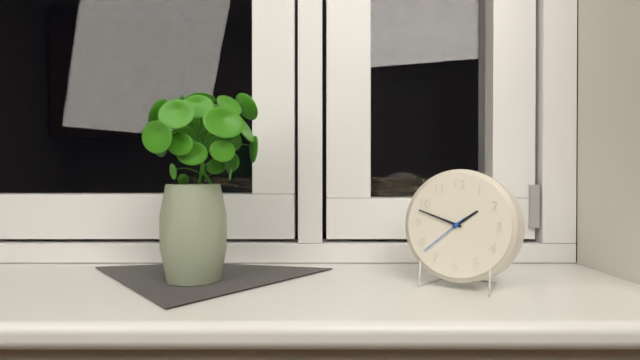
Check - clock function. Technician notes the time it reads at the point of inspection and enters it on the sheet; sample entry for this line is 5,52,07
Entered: 1,48,38
